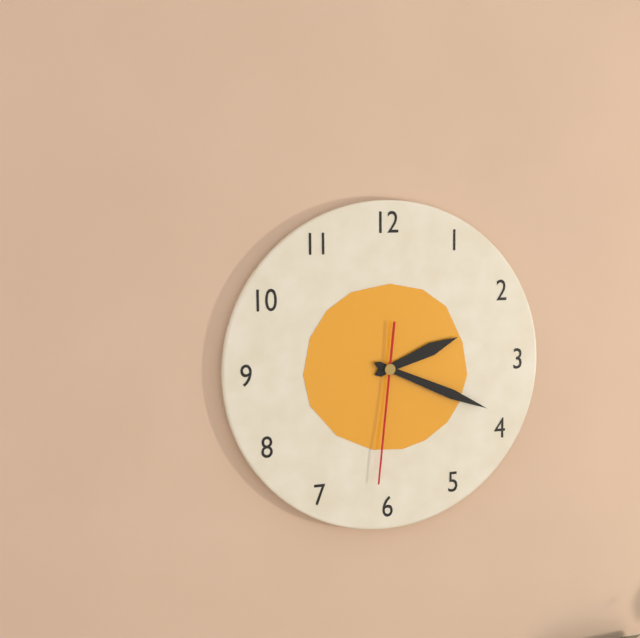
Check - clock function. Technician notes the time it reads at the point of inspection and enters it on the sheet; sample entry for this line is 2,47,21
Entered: 2,19,31
